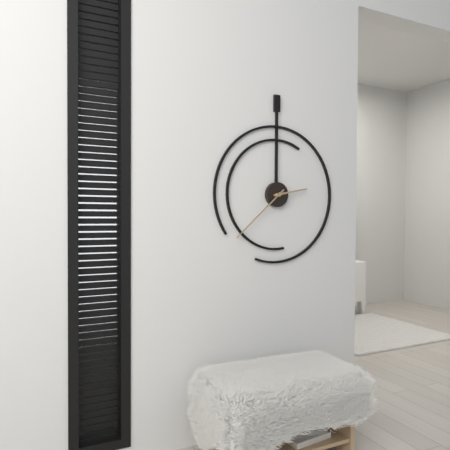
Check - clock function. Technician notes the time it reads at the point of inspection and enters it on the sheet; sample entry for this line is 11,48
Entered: 2,38
